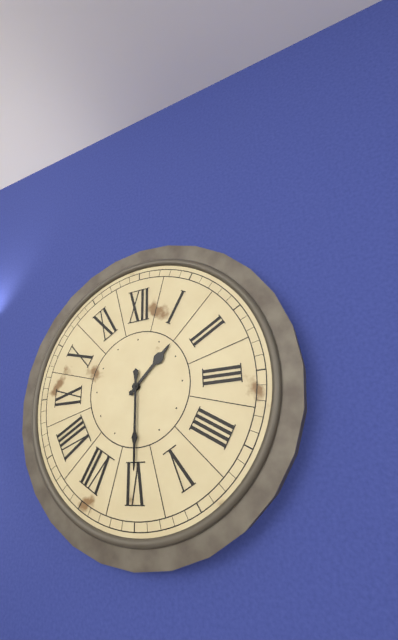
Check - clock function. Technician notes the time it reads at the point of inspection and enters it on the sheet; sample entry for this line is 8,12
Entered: 1,30
